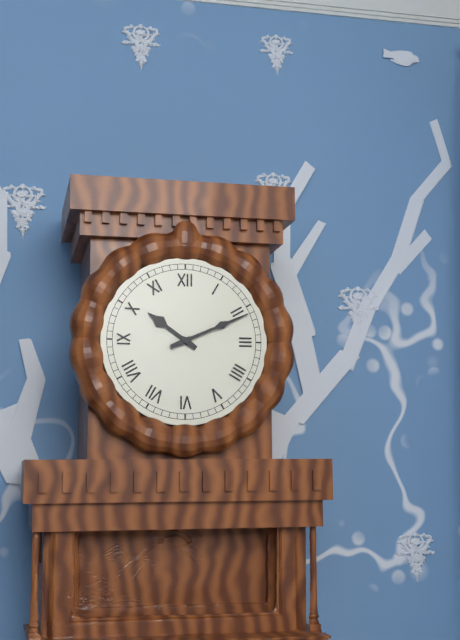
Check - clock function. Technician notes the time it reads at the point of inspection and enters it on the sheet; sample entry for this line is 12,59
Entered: 10,11
